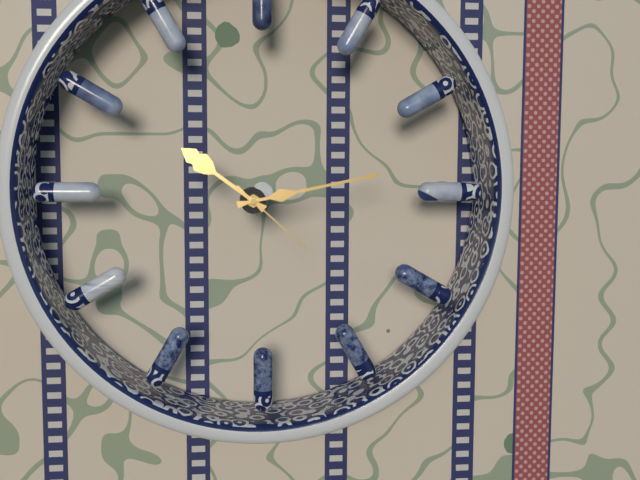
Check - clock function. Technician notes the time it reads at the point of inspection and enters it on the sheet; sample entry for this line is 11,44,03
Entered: 10,13,22
